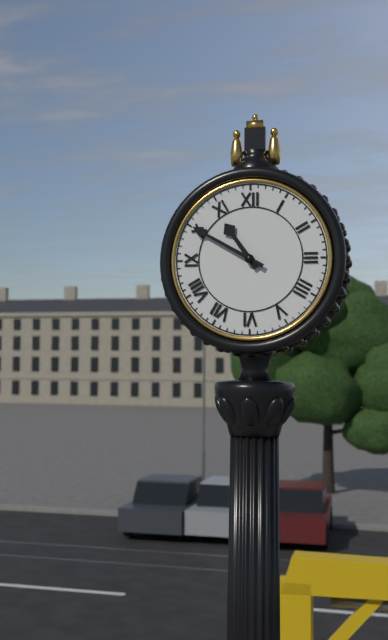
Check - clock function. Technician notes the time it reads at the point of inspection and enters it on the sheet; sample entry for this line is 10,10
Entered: 10,50
